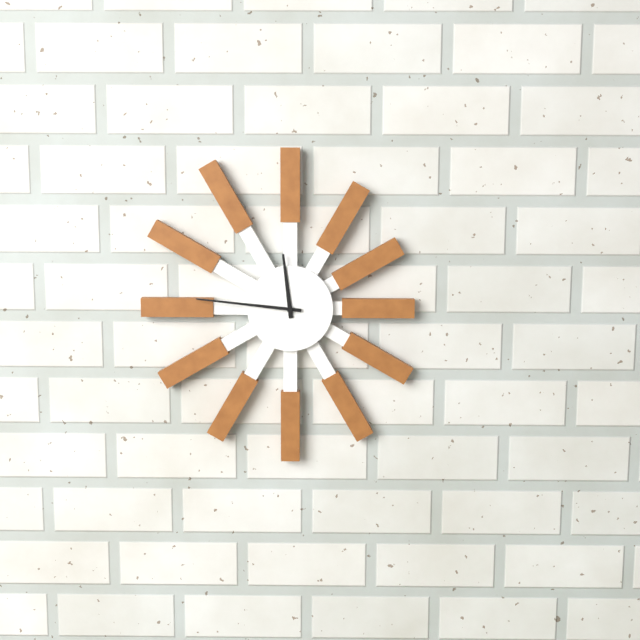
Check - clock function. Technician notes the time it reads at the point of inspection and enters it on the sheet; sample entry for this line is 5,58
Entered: 11,46
